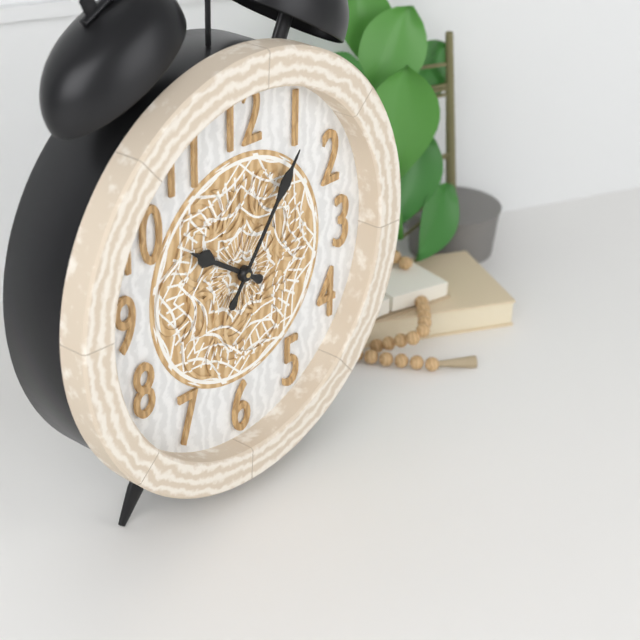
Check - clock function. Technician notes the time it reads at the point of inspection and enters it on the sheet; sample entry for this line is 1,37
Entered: 10,06
